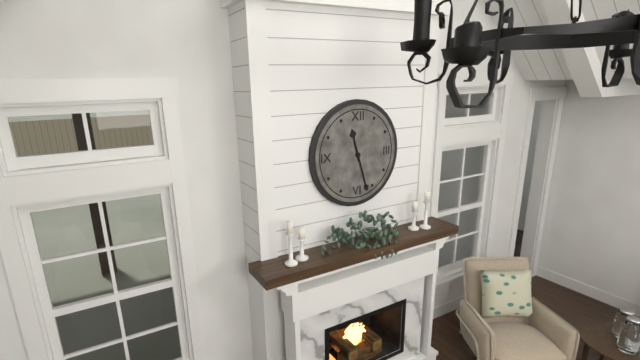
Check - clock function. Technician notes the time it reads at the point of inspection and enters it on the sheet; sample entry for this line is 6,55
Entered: 11,27
